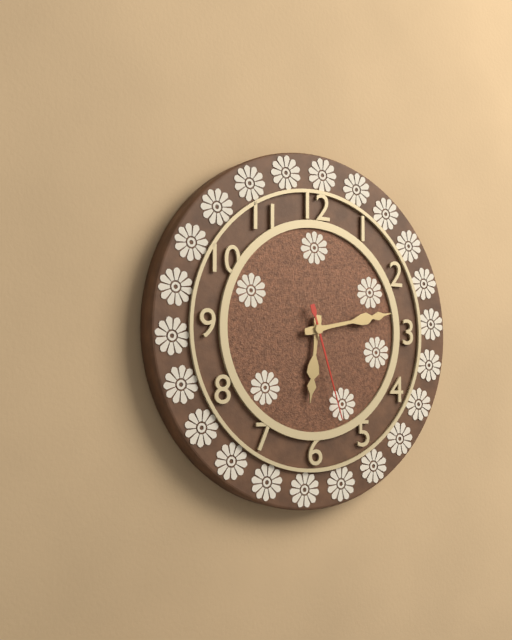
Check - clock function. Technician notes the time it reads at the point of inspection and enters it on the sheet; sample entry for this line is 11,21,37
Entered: 6,13,27
